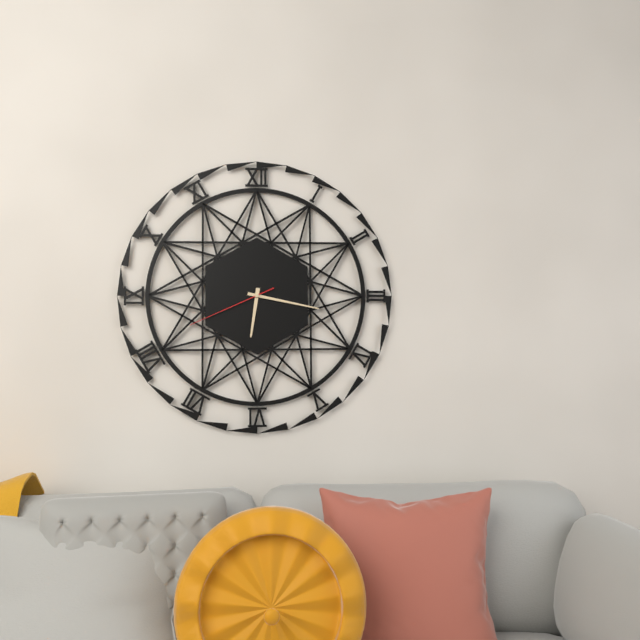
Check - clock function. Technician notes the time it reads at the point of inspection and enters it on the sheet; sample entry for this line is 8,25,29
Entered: 6,17,41
